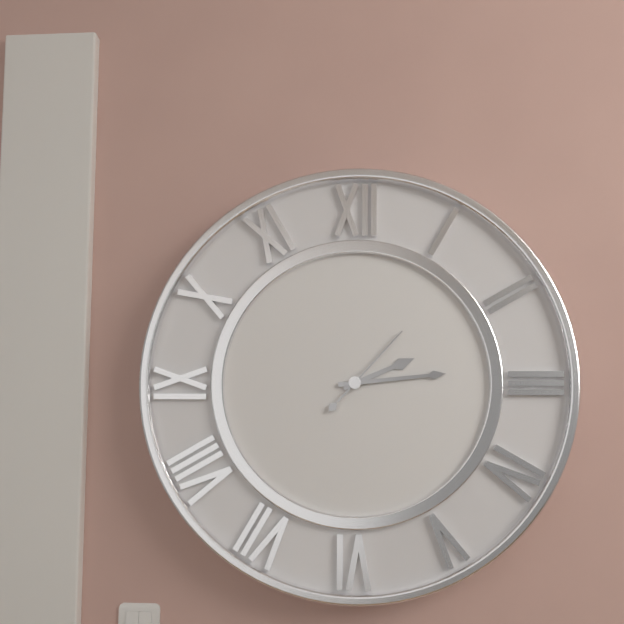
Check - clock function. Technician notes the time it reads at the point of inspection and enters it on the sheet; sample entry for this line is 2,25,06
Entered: 2,14,07
